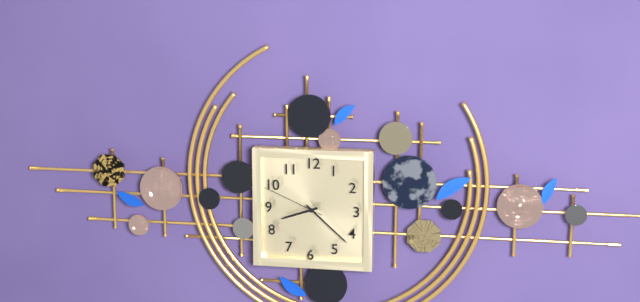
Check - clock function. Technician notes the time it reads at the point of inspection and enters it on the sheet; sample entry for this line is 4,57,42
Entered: 8,22,49
